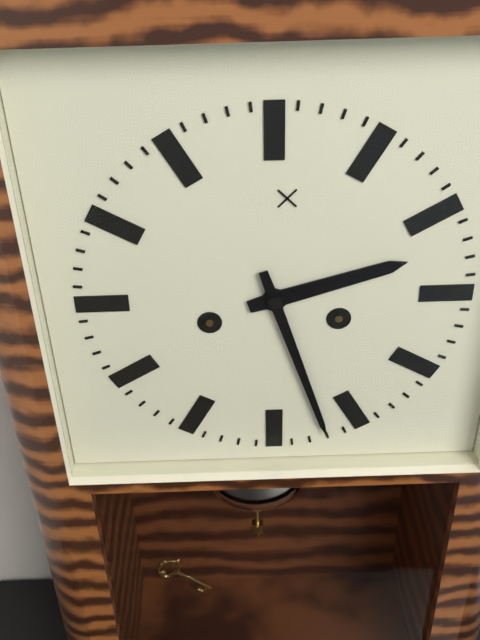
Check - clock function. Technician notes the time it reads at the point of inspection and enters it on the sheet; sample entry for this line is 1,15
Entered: 2,27
